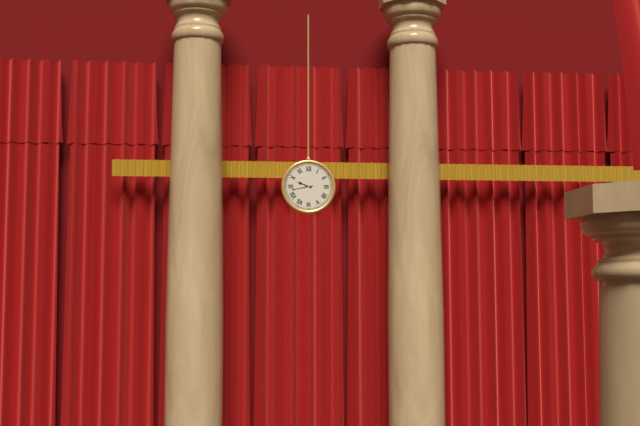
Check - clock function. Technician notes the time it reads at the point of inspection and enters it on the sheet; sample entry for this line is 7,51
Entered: 9,43
